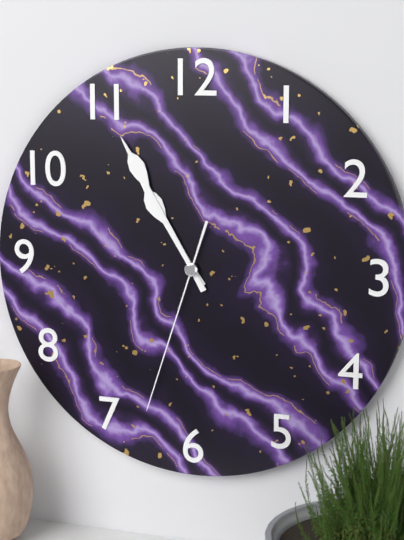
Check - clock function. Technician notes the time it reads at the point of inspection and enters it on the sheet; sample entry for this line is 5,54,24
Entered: 10,55,33
